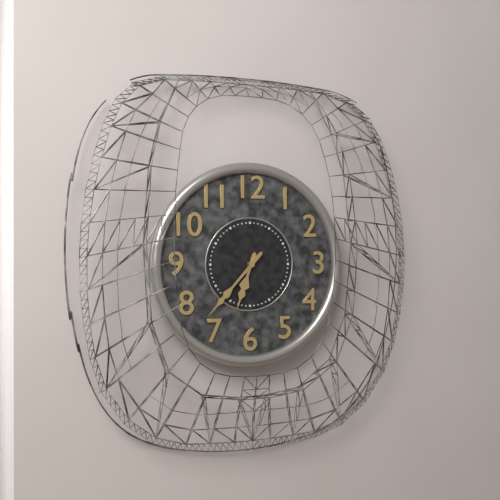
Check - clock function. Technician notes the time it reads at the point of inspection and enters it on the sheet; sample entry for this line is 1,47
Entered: 6,37
